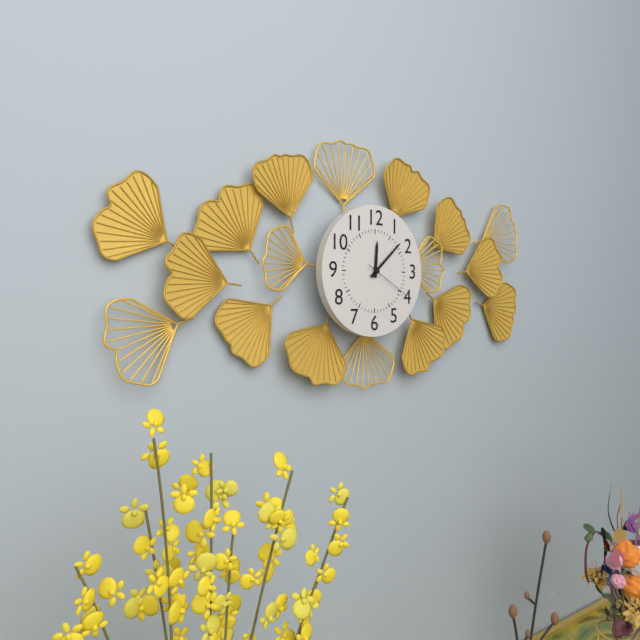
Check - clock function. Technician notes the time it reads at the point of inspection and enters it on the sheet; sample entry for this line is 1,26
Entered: 12,08
